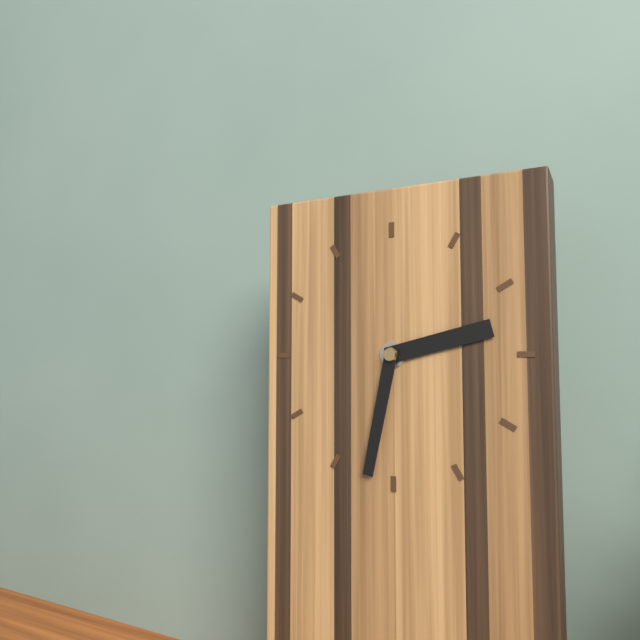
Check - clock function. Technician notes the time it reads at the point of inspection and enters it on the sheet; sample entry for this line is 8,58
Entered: 2,32
